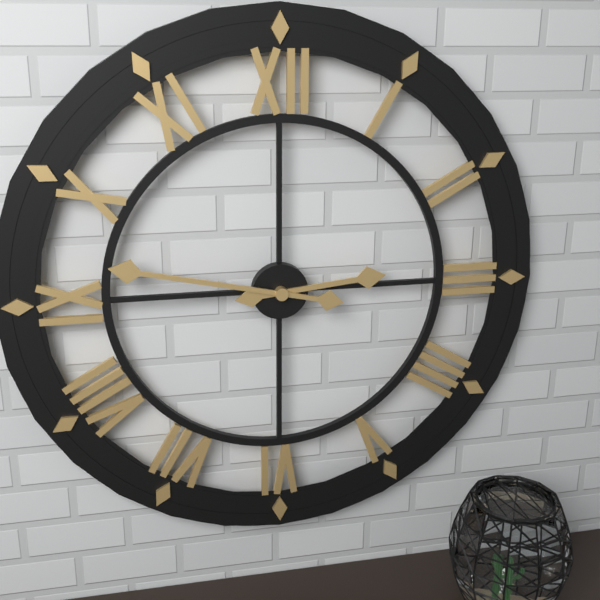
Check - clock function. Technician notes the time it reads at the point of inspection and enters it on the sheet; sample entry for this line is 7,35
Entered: 2,47
